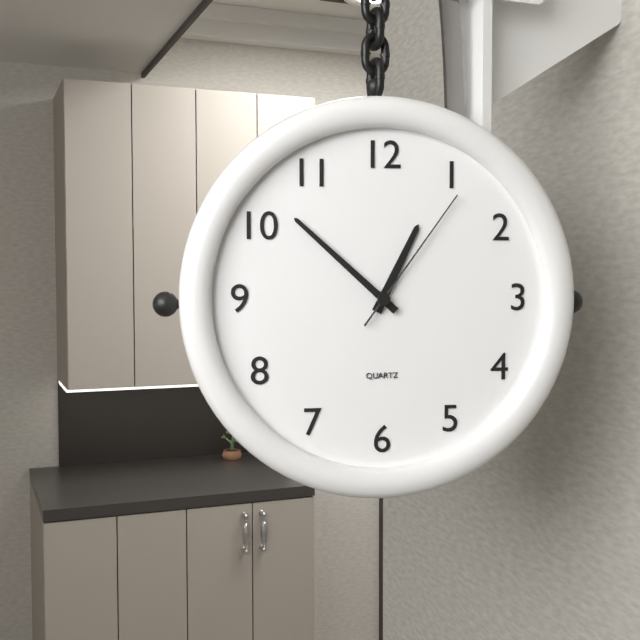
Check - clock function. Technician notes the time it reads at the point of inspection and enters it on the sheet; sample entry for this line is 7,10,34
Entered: 12,52,06
